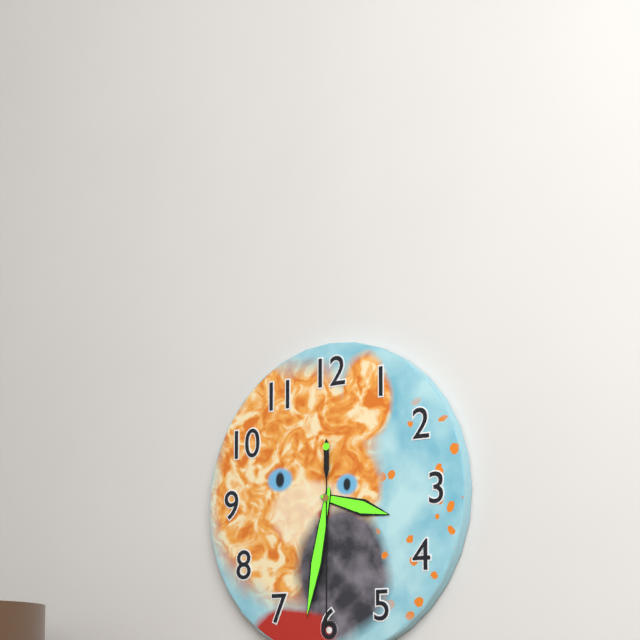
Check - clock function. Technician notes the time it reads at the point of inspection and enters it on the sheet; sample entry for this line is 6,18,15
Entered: 3,32,30
